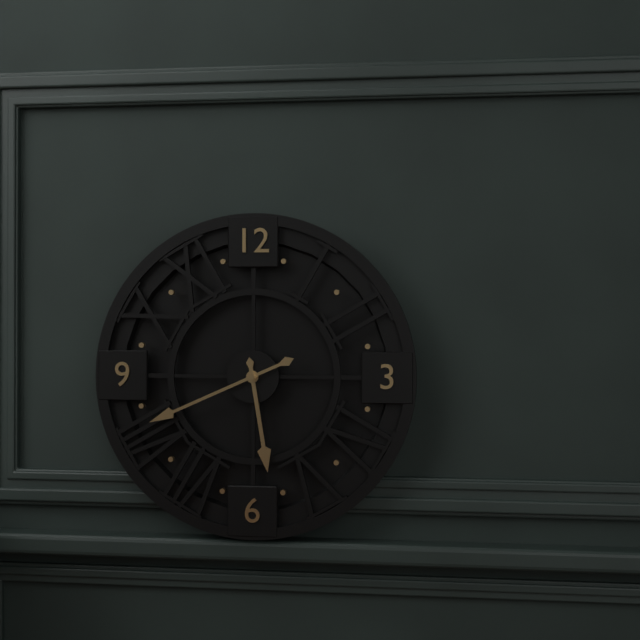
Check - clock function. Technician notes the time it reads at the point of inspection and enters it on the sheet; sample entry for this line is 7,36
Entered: 5,41
